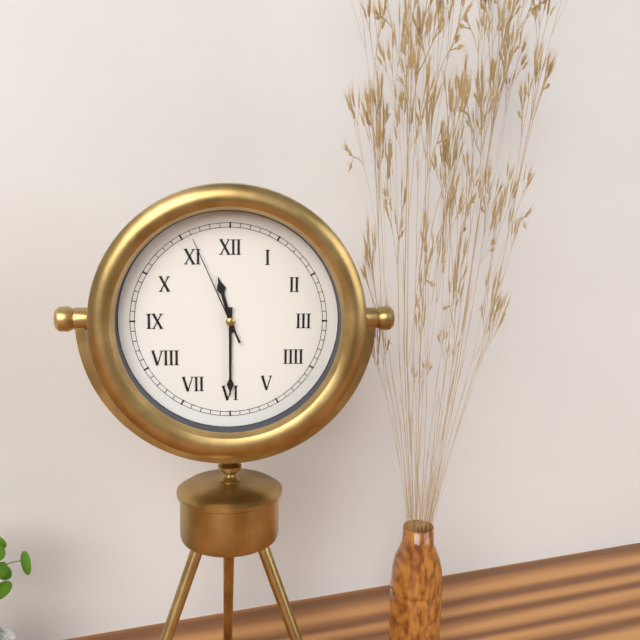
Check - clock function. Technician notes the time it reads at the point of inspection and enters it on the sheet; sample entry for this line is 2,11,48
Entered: 11,30,56
